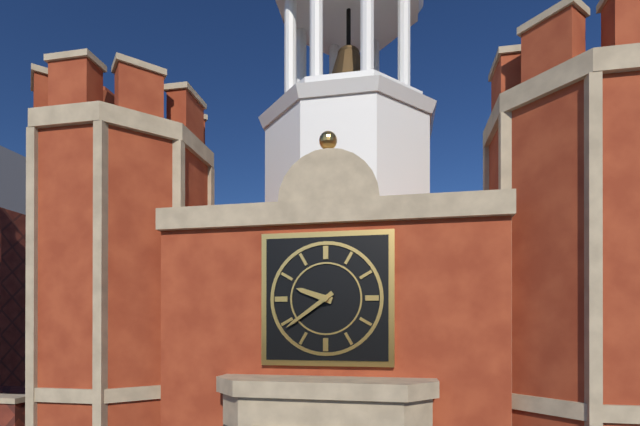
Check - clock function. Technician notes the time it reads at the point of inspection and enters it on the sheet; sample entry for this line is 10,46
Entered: 9,39
